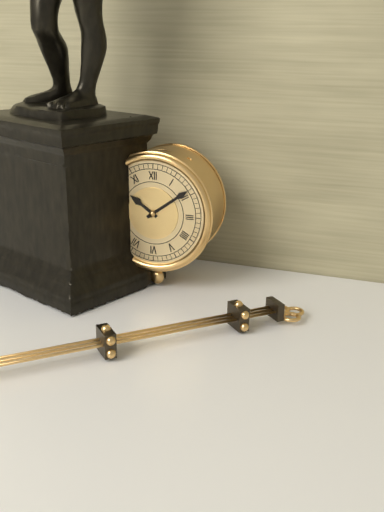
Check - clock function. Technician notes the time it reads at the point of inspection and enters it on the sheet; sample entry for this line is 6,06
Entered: 10,09
